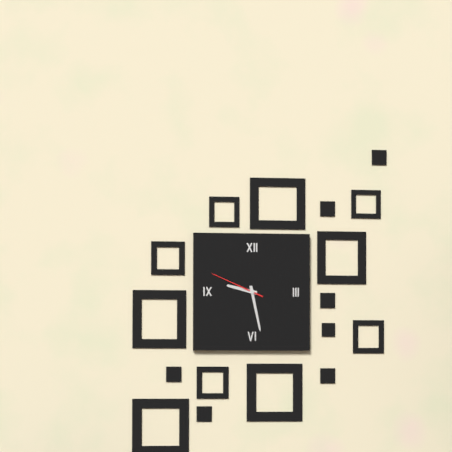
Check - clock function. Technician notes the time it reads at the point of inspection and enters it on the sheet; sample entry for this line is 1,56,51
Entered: 9,28,49
